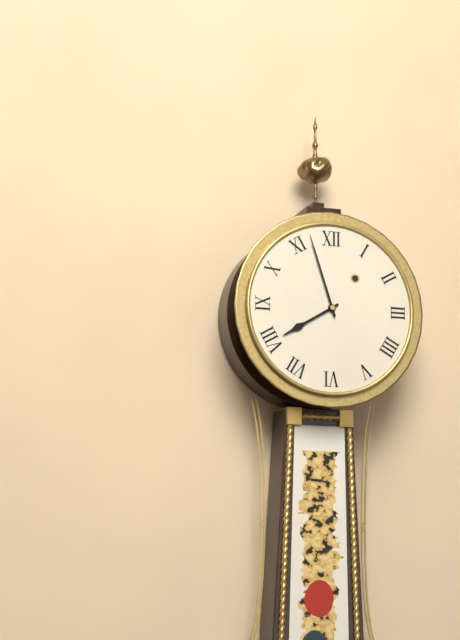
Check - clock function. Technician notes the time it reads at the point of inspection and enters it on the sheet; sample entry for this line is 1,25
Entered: 7,57
